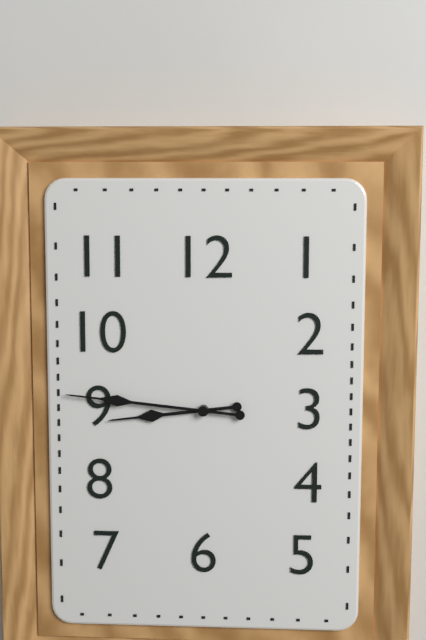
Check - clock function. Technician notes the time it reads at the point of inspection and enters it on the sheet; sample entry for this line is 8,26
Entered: 8,46
